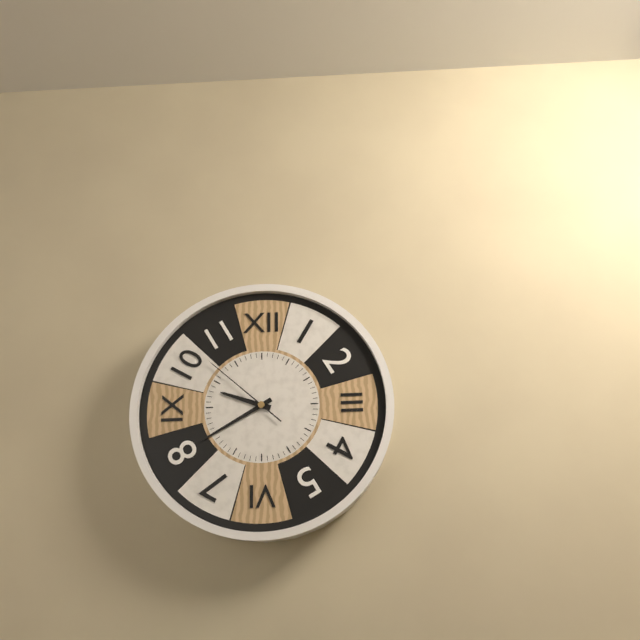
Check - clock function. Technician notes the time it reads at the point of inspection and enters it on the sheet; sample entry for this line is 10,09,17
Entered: 9,40,52
